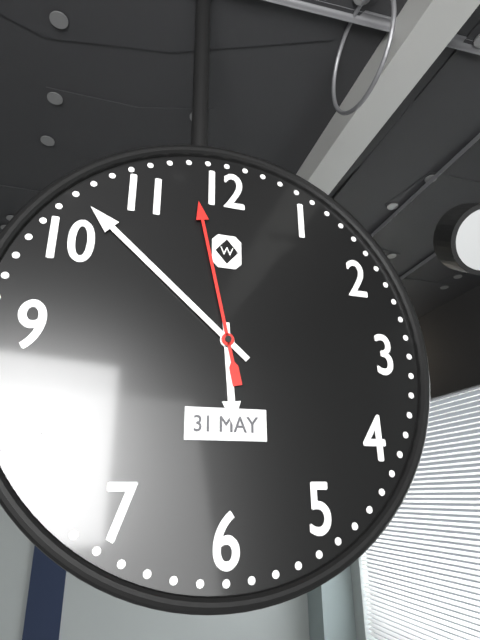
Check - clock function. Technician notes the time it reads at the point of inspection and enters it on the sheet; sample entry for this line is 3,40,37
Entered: 5,52,58
